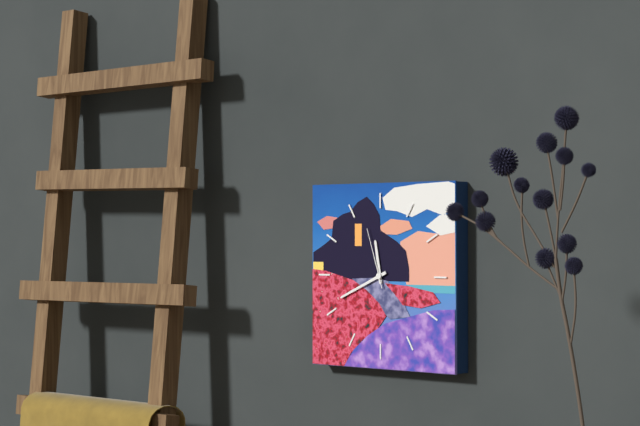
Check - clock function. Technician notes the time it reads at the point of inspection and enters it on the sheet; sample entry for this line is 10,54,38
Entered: 11,41,57
